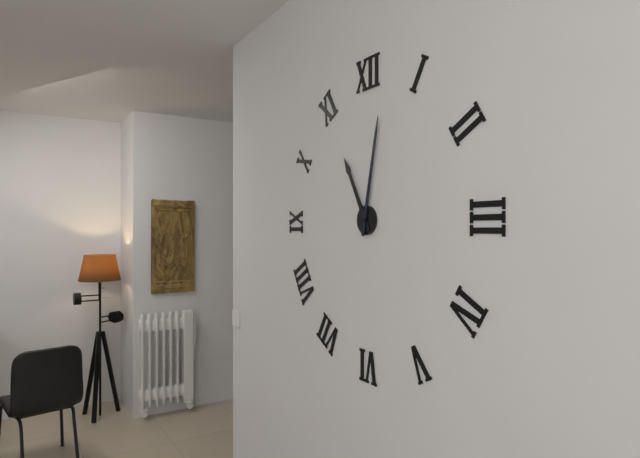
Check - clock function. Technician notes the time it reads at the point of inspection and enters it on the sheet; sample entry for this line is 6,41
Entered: 11,02
